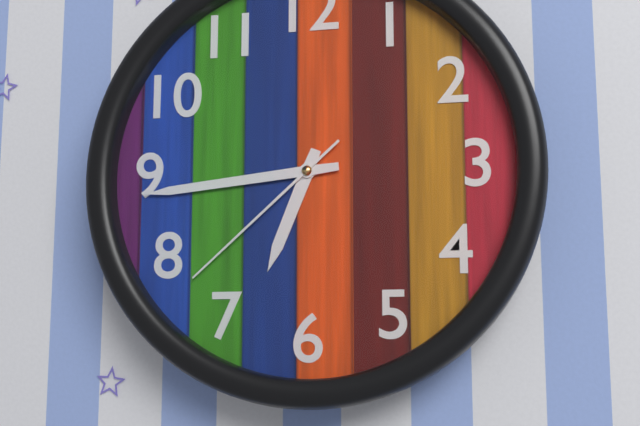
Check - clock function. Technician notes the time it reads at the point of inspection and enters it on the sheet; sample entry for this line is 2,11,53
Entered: 6,44,38
